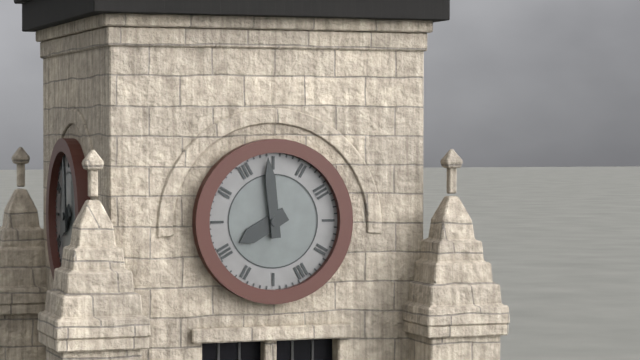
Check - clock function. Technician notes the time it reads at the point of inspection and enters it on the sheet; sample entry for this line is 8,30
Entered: 7,59
